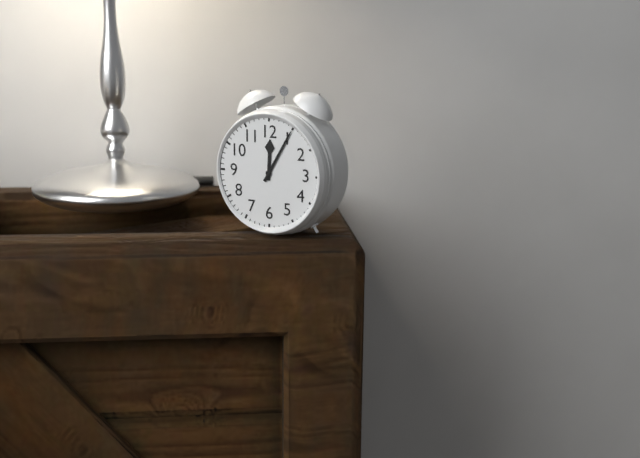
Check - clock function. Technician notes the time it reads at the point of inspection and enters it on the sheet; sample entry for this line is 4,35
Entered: 12,05
